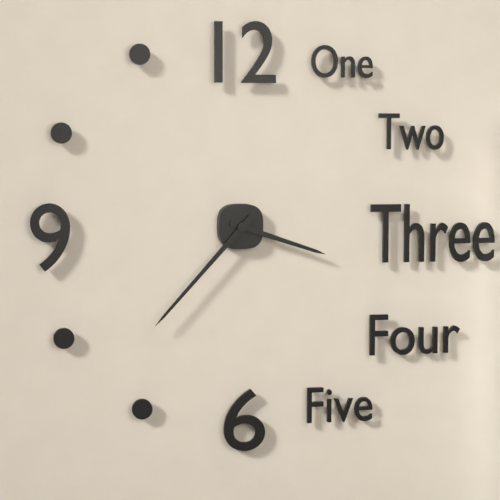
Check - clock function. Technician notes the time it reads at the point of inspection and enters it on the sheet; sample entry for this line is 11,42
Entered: 3,37
